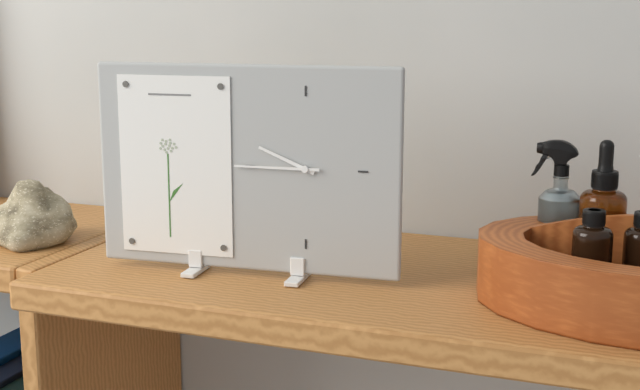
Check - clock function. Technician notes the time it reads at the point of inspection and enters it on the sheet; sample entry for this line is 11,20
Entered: 9,45
